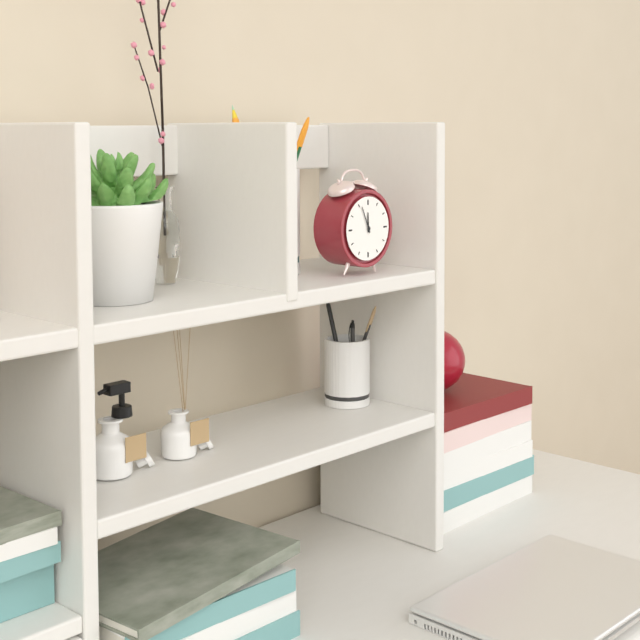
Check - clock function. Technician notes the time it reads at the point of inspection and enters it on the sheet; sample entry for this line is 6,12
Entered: 11,56
